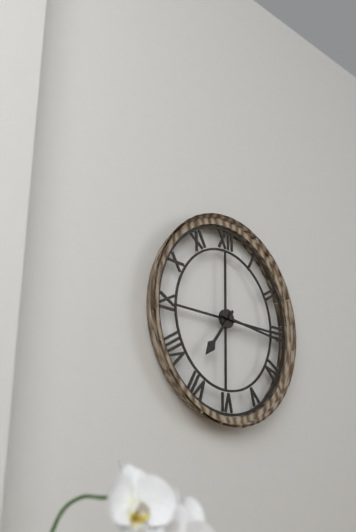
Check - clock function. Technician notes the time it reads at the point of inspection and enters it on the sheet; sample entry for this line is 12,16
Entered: 7,16
